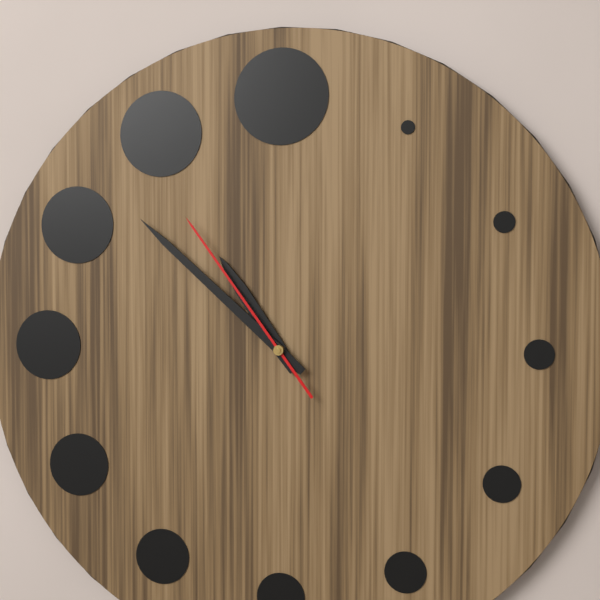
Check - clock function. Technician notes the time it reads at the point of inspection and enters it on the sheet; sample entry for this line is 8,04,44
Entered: 10,52,54
